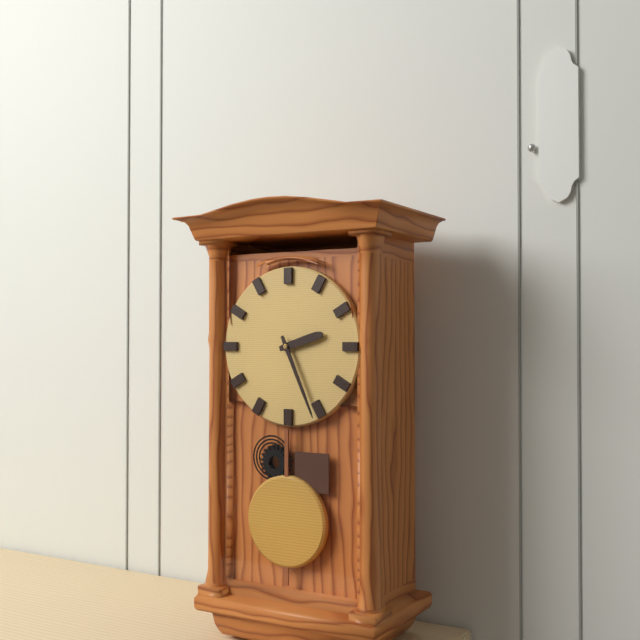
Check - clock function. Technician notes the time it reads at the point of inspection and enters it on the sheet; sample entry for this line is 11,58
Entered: 2,26
